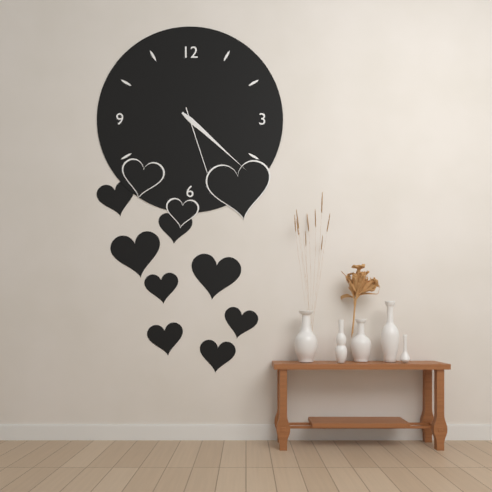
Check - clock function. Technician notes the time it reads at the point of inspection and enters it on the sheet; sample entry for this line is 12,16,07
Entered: 4,22,27
